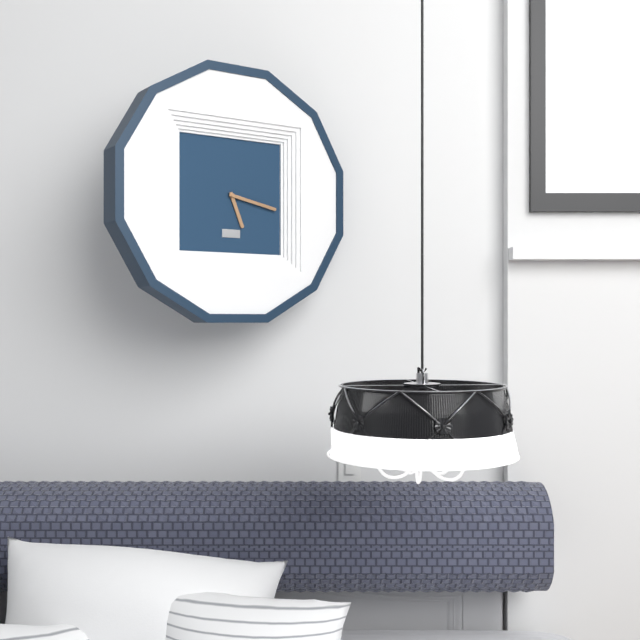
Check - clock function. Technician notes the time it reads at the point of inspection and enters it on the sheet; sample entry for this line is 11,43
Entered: 5,17
